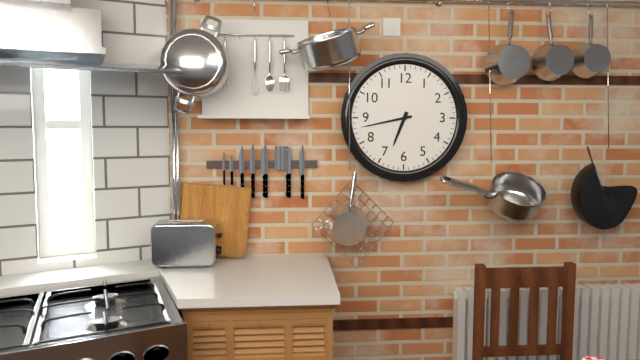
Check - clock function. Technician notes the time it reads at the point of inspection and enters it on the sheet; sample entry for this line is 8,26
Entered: 6,43
